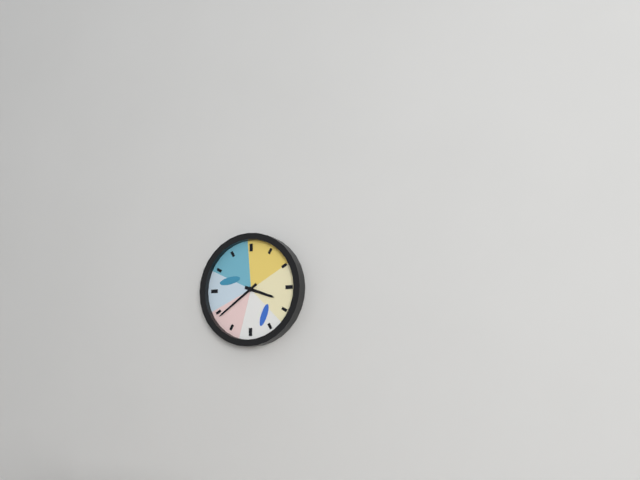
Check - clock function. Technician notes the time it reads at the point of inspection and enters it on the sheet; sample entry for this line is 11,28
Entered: 3,39
